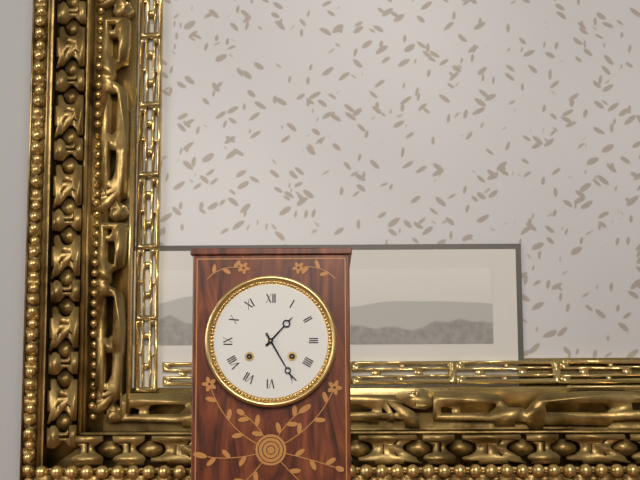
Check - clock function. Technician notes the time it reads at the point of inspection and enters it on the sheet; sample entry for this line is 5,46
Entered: 1,25
